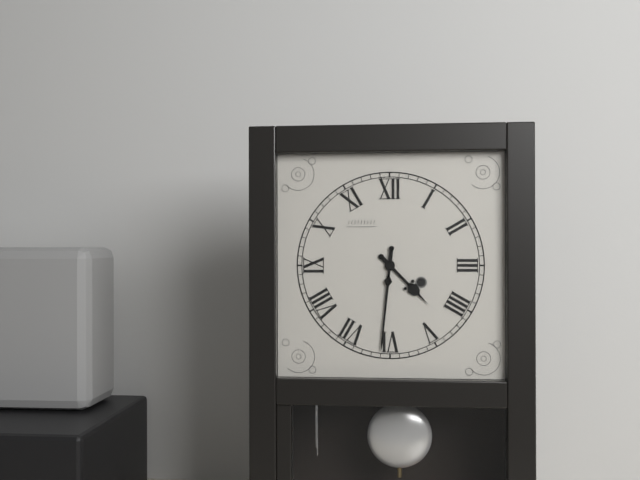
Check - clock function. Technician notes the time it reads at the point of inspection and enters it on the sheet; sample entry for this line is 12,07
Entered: 4,31
